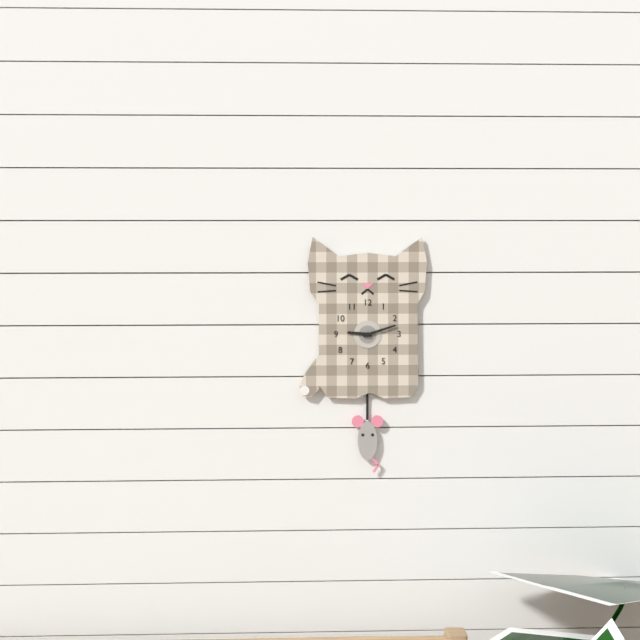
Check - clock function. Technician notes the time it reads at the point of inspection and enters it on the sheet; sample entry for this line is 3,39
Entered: 9,12
